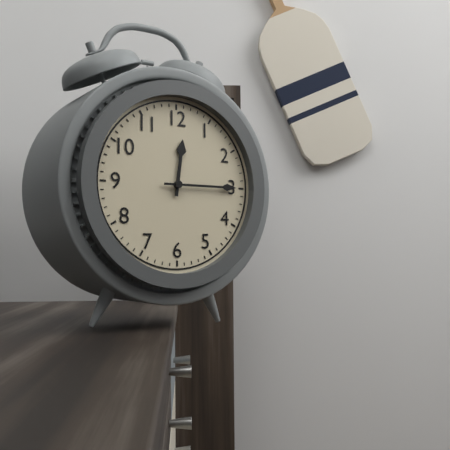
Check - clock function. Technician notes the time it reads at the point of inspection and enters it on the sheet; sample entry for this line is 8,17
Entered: 12,15
